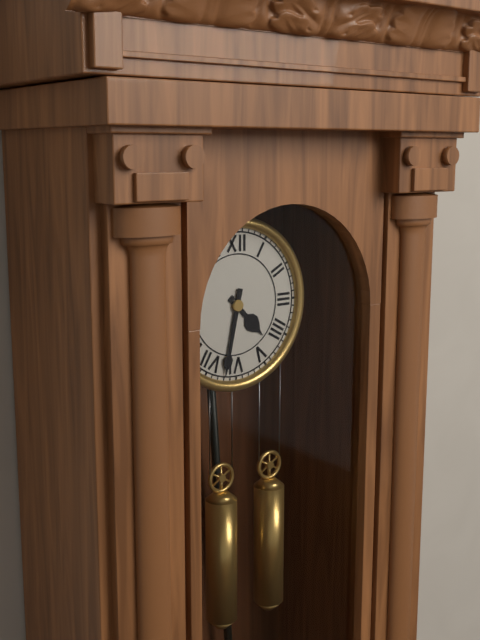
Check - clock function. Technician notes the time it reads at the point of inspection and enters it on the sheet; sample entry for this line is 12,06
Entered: 4,32
